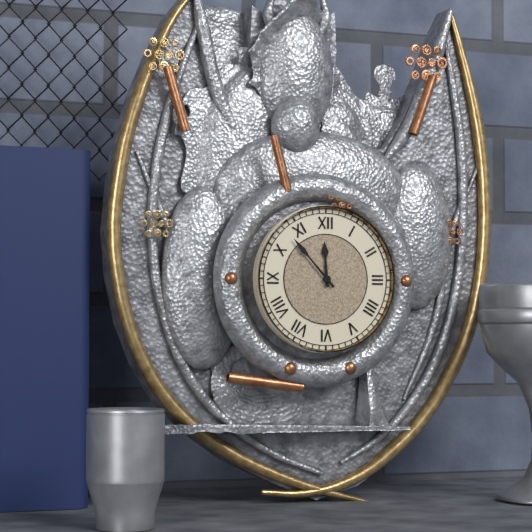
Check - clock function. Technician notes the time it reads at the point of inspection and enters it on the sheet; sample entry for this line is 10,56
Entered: 11,53
